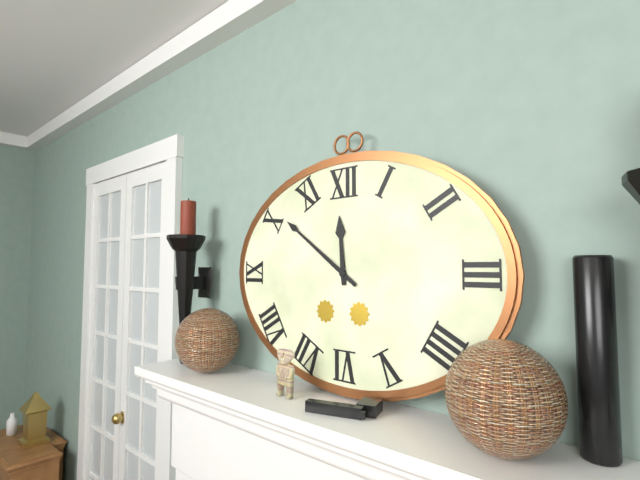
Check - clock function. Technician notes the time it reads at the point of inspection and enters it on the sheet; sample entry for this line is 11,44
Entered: 11,51
